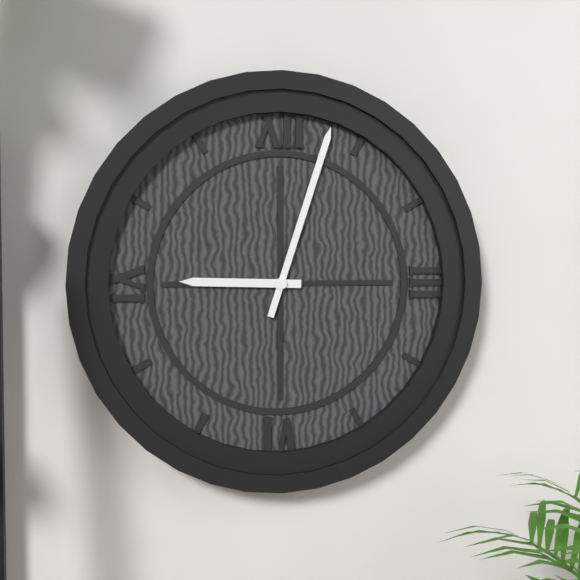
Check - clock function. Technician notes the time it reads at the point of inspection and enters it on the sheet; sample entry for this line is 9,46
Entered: 9,03
